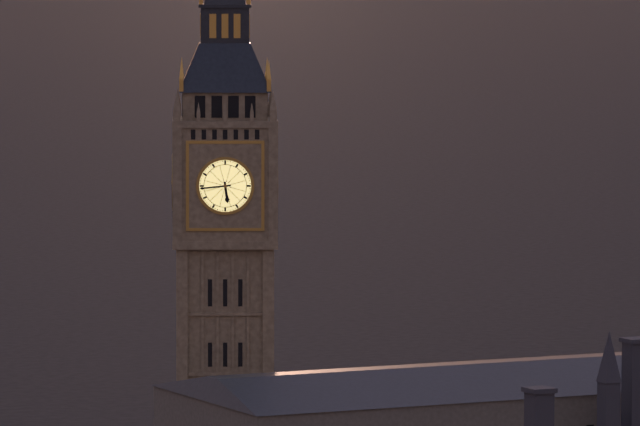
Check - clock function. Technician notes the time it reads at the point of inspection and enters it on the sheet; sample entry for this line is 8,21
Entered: 5,44
